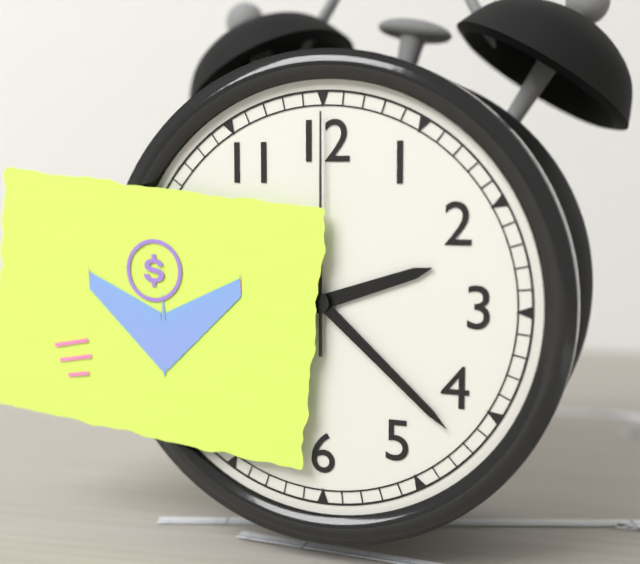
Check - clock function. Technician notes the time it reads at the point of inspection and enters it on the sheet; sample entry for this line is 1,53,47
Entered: 2,22,00
